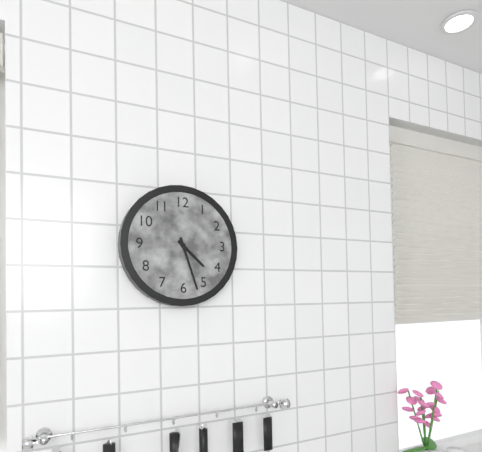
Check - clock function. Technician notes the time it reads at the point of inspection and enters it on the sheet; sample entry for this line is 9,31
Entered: 4,27
